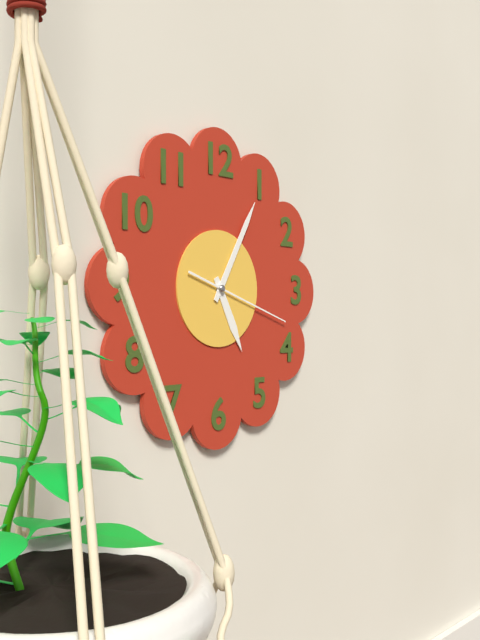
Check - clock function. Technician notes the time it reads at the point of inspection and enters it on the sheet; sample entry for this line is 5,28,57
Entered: 5,05,18
